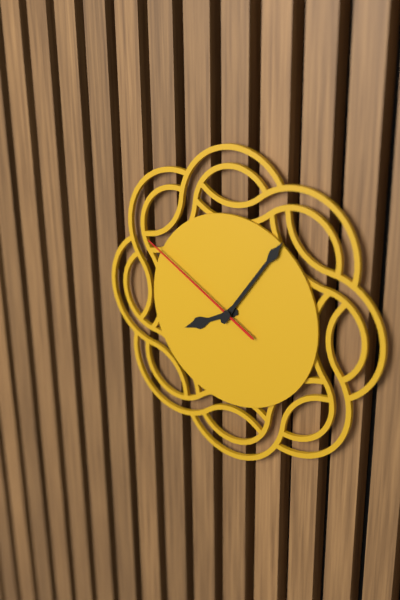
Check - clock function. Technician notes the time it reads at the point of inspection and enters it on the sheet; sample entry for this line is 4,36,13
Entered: 8,06,50
